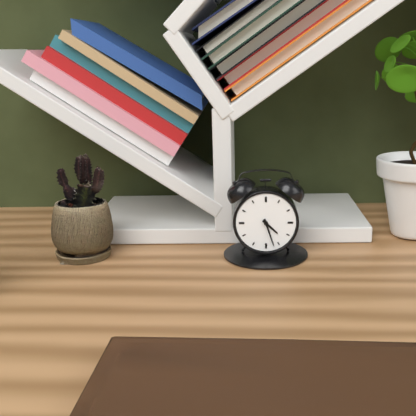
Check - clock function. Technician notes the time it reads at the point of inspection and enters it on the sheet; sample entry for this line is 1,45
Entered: 4,27
